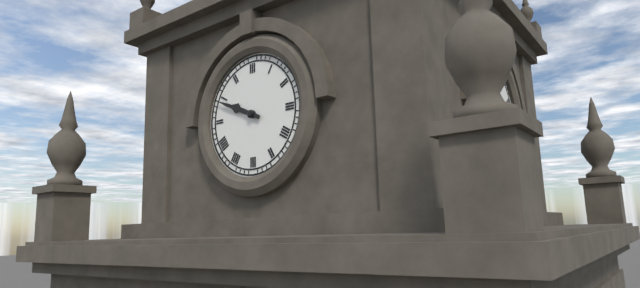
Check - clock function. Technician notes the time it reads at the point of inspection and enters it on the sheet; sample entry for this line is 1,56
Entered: 9,49
